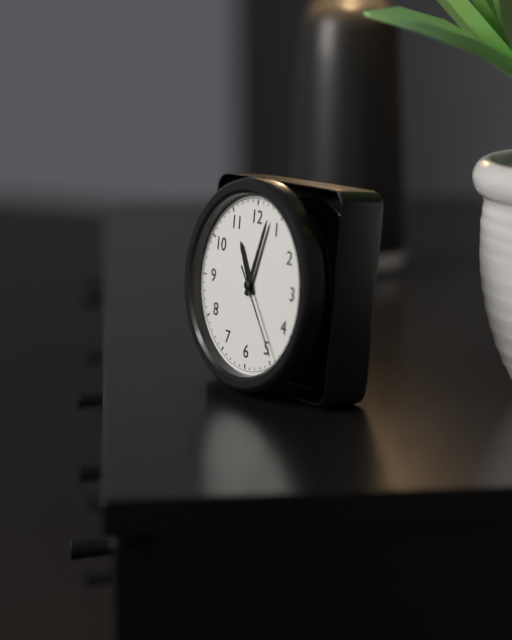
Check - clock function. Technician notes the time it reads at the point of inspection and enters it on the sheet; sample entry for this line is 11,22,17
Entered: 11,03,24
